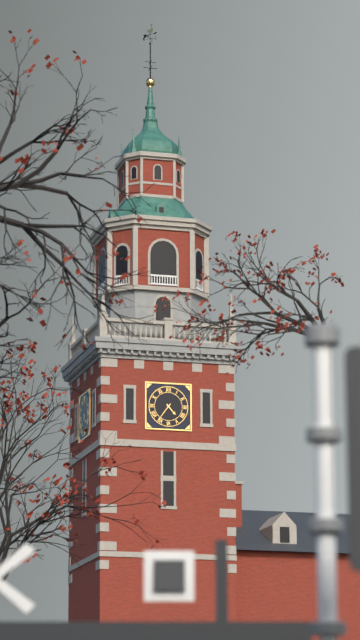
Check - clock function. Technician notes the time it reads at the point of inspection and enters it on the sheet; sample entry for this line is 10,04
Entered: 4,36
